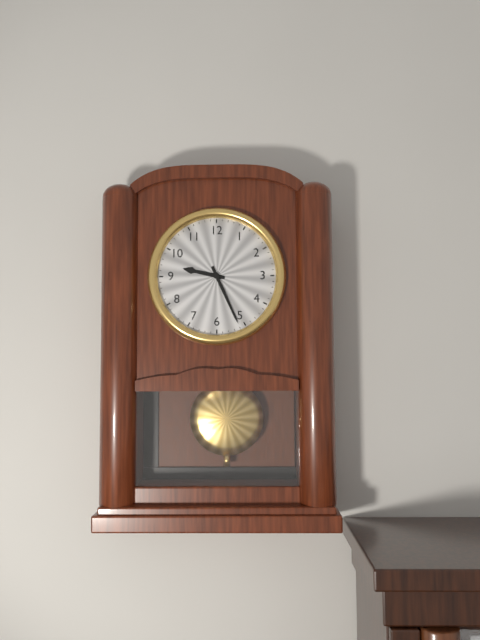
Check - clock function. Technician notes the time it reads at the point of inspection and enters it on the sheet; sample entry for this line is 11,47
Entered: 9,26
